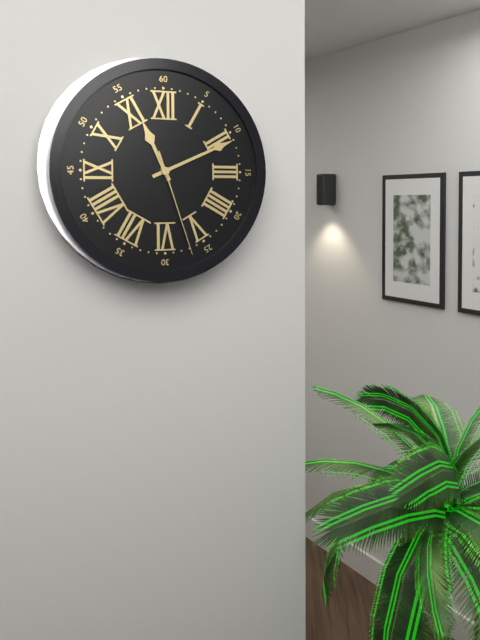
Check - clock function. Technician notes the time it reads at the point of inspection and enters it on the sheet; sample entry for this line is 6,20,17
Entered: 11,11,27
